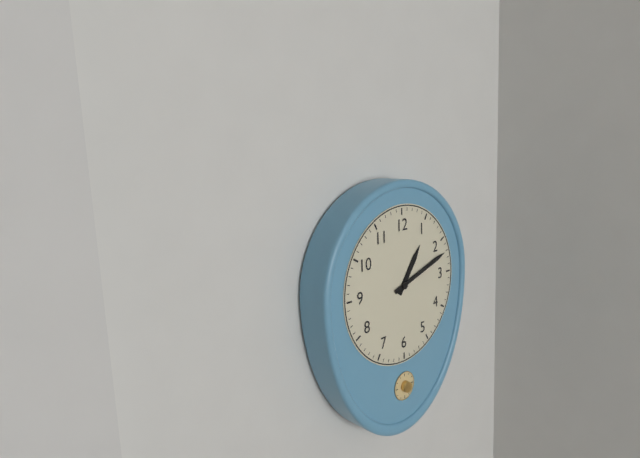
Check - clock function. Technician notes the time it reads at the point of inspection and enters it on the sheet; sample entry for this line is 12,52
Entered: 1,12
